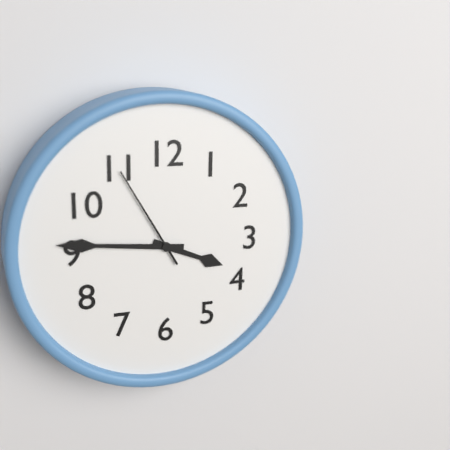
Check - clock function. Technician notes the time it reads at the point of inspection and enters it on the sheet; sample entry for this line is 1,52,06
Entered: 3,46,55
